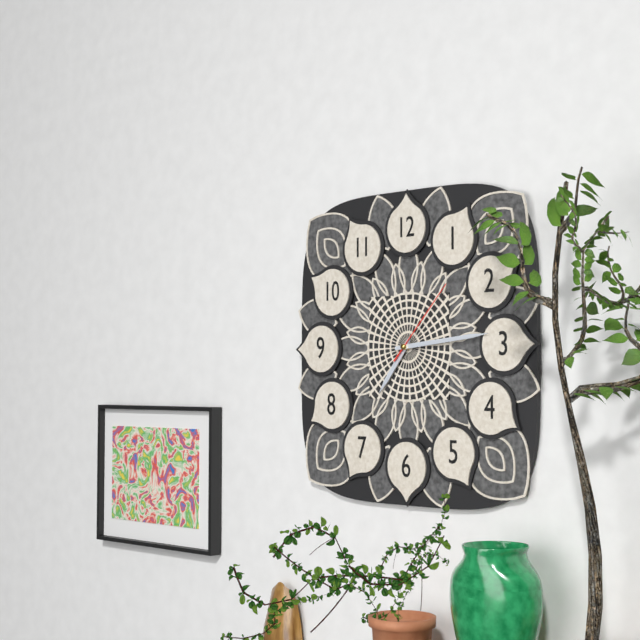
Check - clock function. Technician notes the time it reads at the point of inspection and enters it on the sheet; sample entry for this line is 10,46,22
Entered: 7,14,07
